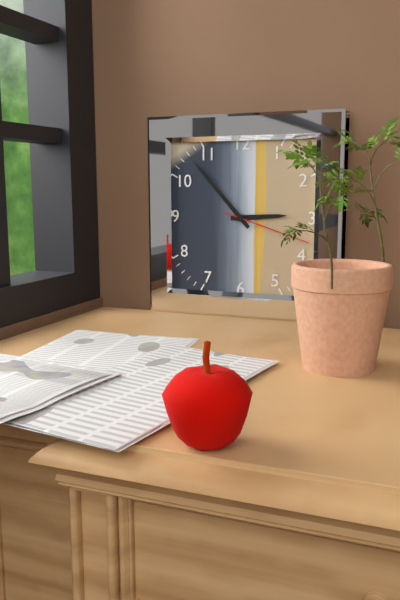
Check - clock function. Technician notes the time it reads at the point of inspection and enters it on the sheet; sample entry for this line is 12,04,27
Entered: 2,53,18
